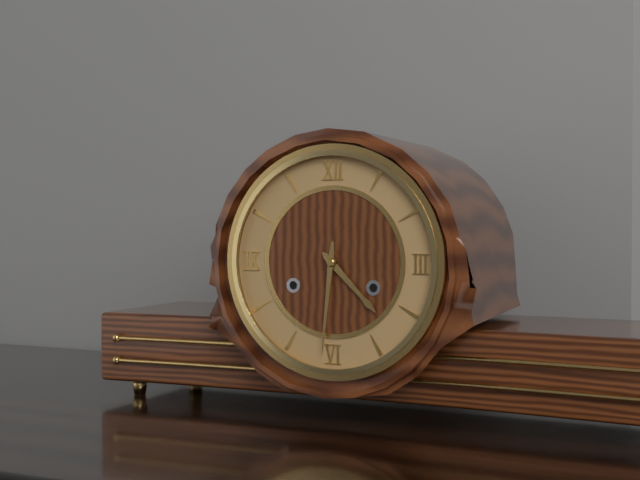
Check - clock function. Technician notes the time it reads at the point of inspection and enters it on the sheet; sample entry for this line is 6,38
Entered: 4,31
